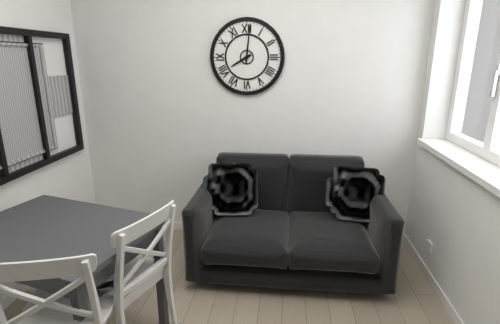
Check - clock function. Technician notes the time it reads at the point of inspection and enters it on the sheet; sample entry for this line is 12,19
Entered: 8,01
